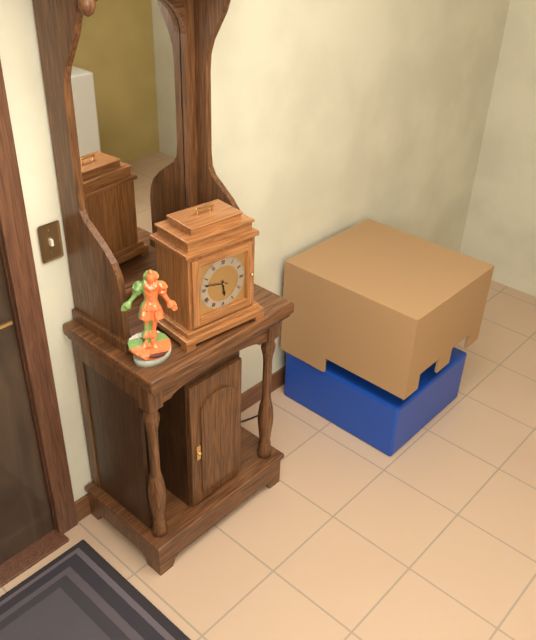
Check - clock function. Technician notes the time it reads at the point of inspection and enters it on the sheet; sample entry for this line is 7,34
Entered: 5,47
